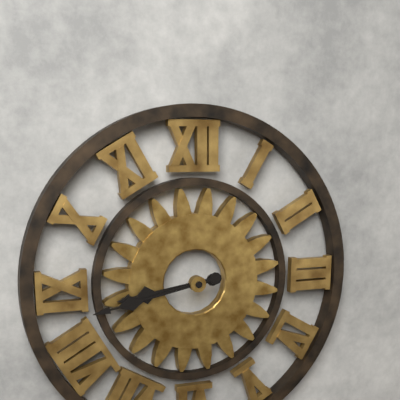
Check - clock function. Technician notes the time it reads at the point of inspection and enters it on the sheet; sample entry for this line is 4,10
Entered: 8,43
